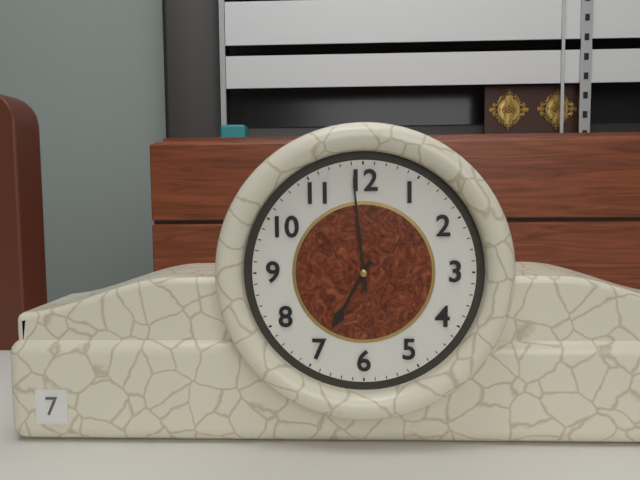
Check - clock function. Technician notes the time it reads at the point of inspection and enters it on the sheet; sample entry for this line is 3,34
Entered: 6,59
